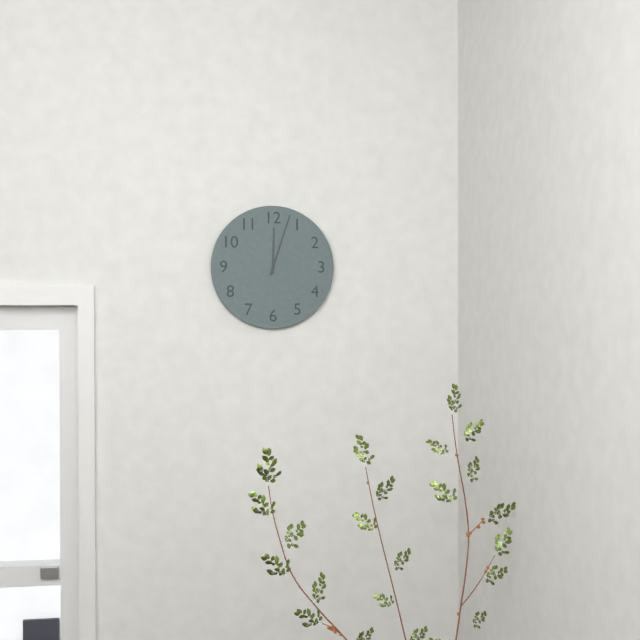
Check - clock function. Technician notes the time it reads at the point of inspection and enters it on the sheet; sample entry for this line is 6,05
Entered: 12,03
